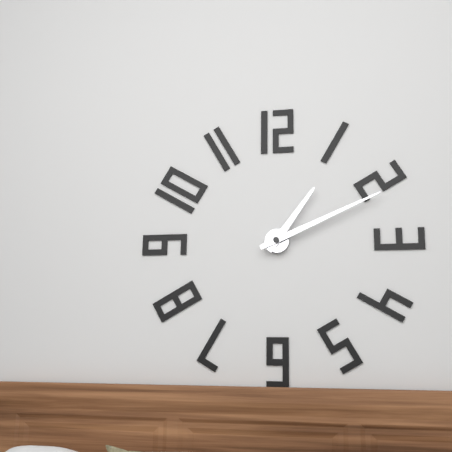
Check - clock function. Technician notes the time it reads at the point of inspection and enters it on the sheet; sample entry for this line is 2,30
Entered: 1,11
